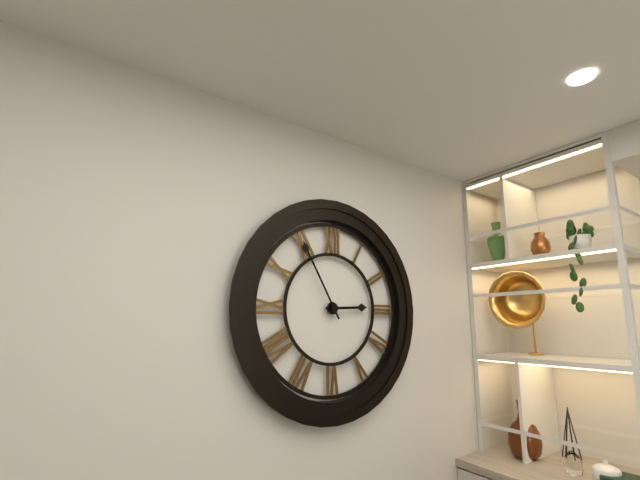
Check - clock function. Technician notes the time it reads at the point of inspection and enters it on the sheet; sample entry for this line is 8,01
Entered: 2,55
